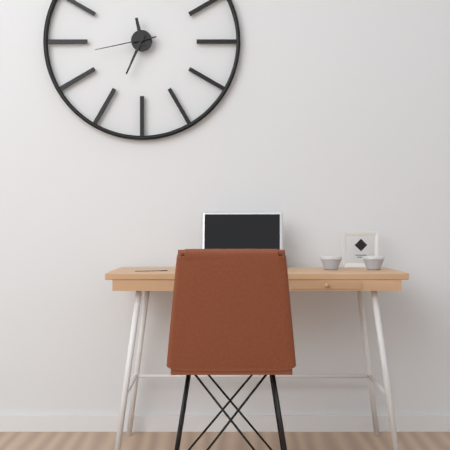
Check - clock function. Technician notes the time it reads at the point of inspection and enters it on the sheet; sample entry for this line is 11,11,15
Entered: 11,34,43
